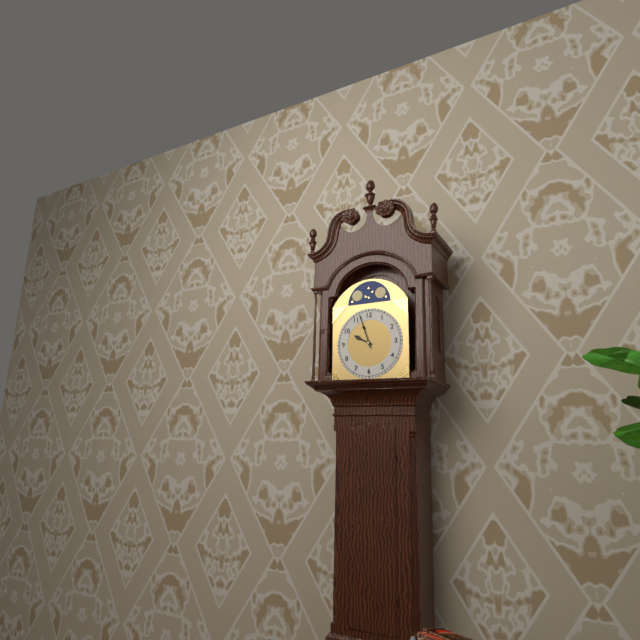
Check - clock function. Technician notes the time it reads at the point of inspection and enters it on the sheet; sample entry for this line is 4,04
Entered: 9,57
